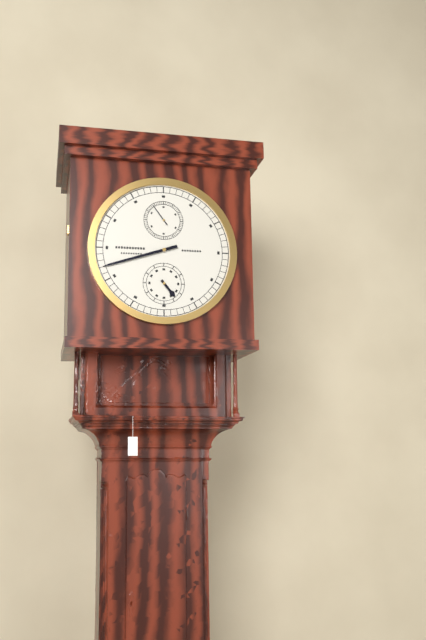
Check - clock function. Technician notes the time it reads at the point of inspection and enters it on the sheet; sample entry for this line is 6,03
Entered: 4,42
